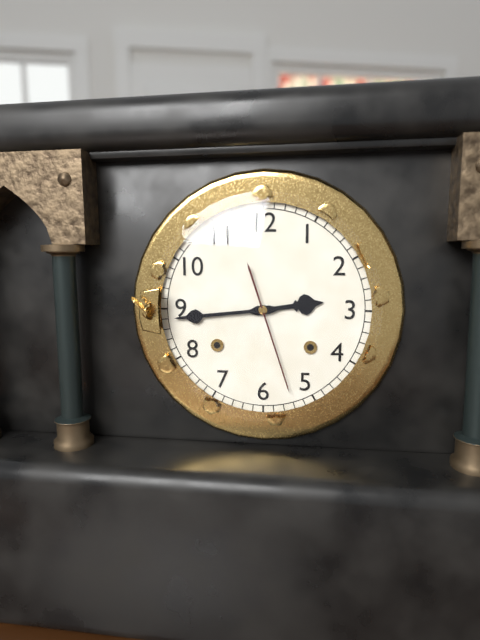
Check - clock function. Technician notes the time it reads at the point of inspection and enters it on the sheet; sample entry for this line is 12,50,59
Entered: 2,44,27
